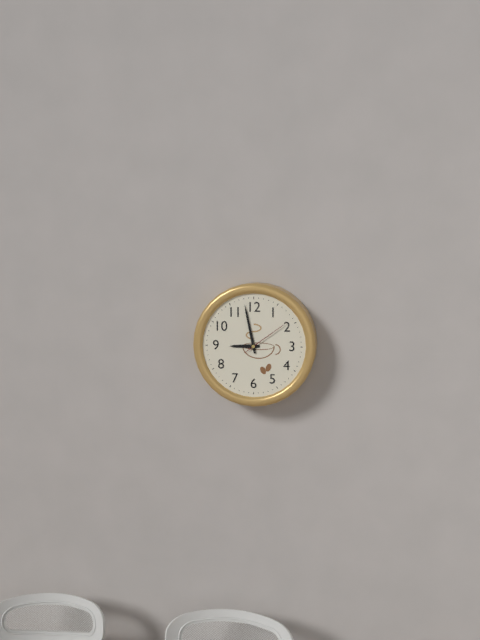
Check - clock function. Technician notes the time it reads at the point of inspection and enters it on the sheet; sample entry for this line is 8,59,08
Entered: 8,58,09
